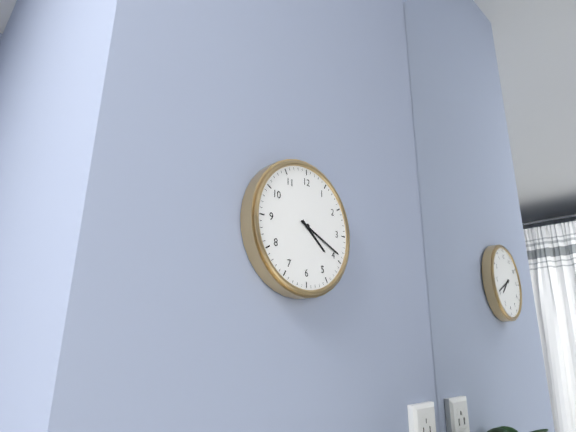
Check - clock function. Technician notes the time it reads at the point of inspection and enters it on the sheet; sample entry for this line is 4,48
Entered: 4,19
